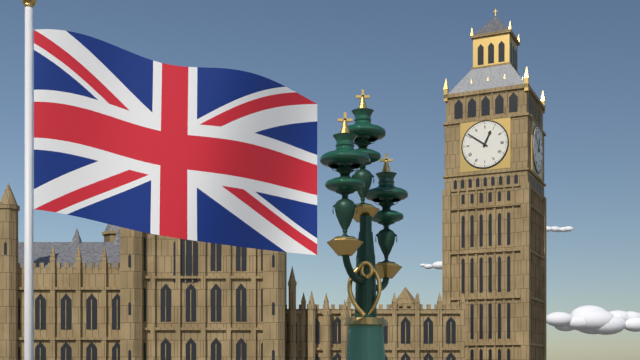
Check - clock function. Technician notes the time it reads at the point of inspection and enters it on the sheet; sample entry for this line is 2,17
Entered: 12,51
